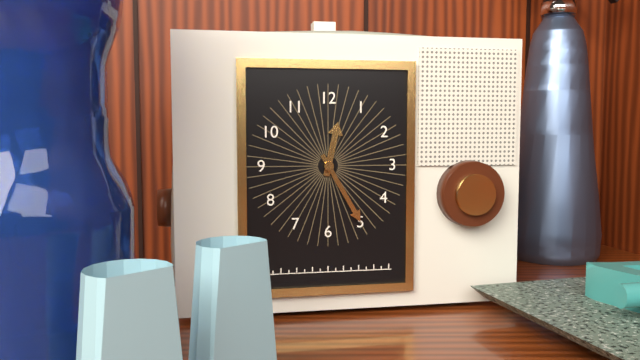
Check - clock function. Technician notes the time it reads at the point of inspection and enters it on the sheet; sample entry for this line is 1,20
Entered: 12,25
